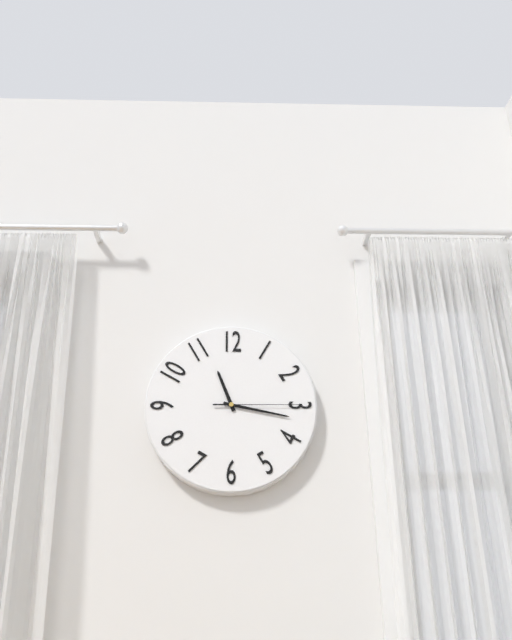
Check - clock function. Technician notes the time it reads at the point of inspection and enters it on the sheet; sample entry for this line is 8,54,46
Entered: 11,17,15
